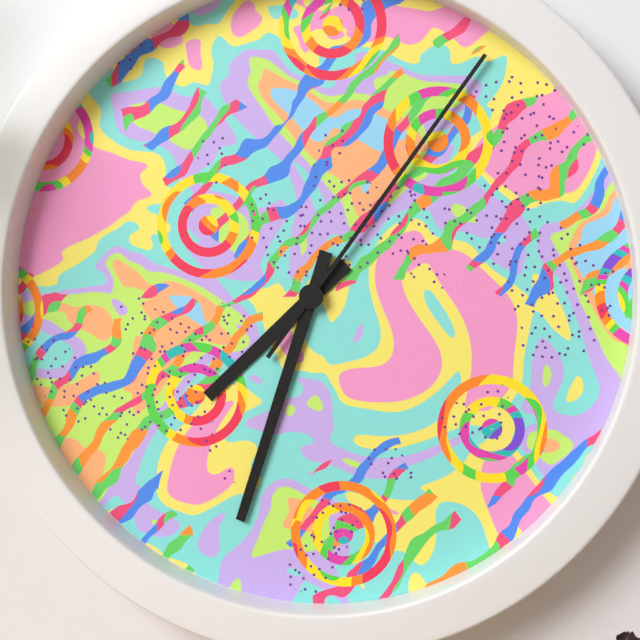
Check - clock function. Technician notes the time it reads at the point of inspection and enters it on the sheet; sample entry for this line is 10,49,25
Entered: 7,33,06
